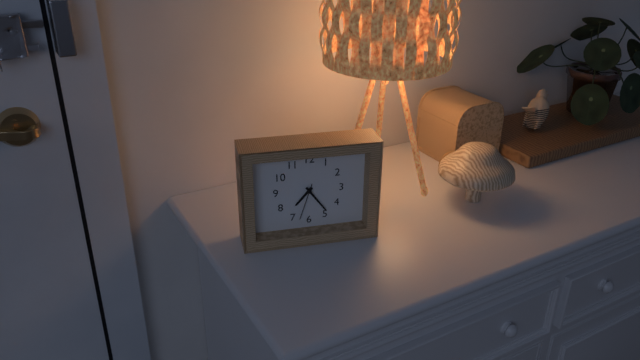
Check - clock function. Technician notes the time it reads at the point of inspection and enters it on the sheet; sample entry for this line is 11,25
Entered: 7,24
